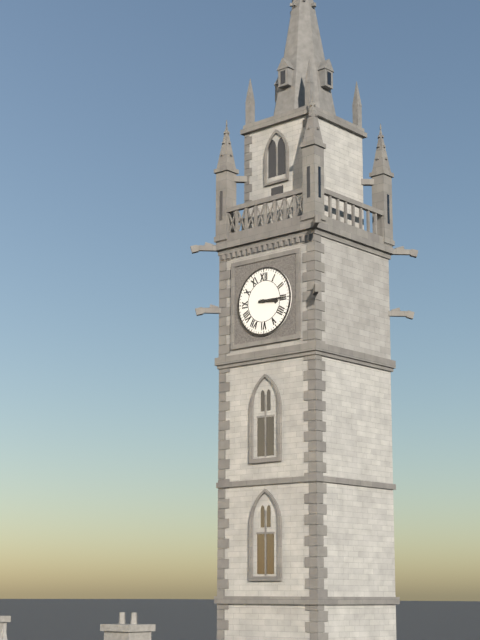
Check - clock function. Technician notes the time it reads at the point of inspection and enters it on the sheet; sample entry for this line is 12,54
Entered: 3,15
